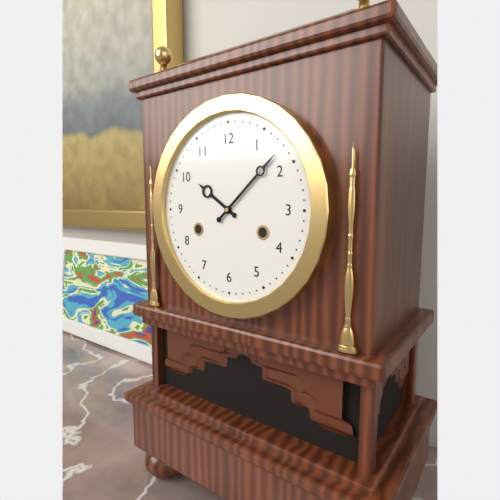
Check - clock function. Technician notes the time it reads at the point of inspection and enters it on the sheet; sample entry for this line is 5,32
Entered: 10,08
